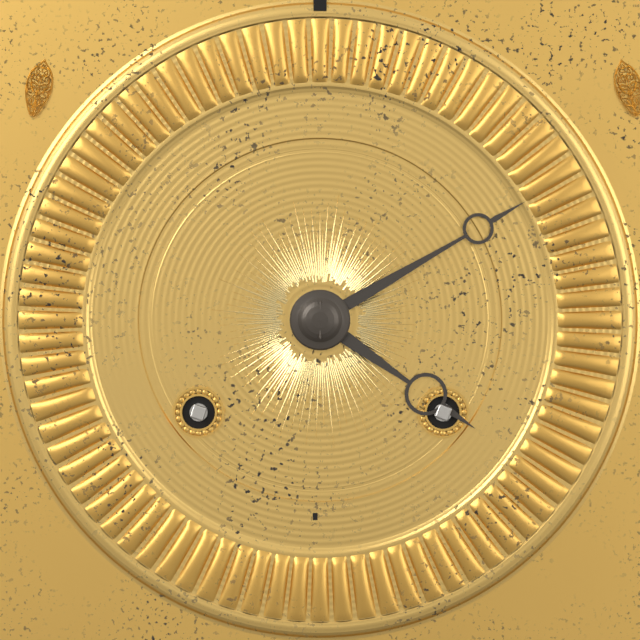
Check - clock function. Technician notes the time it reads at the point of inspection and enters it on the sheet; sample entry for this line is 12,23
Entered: 4,10
